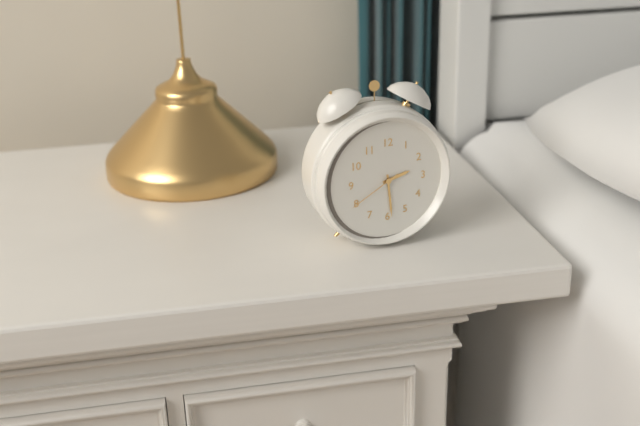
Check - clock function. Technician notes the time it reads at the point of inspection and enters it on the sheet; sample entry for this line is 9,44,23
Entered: 2,29,40
